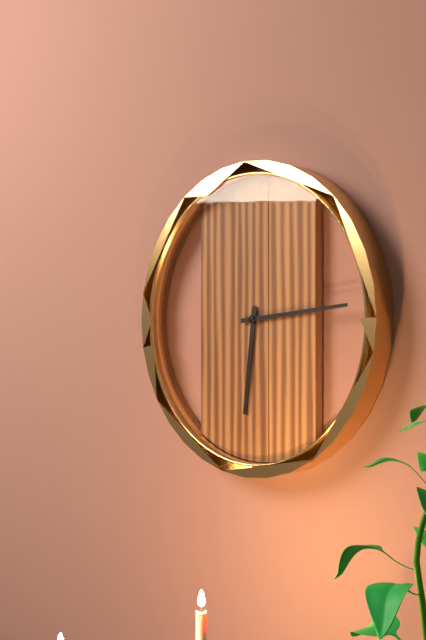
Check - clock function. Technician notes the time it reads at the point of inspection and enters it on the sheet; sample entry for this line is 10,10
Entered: 6,14
